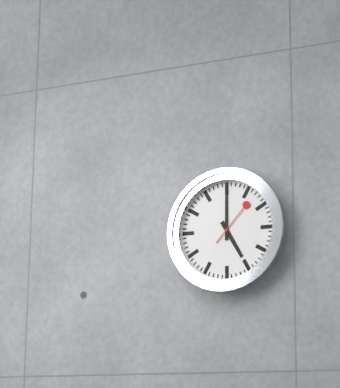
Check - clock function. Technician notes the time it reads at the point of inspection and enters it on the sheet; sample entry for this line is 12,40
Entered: 5,00
